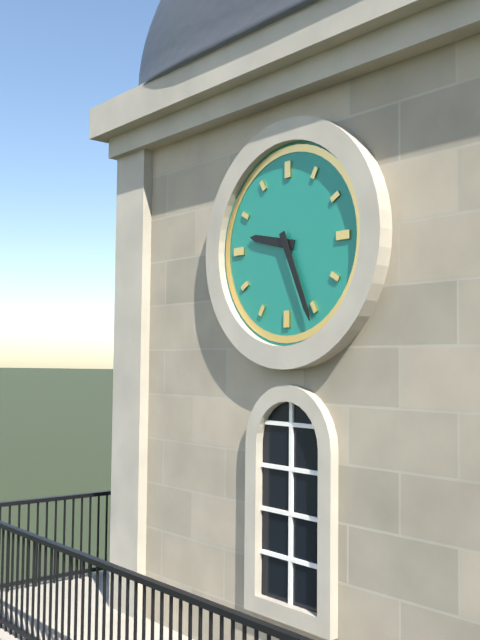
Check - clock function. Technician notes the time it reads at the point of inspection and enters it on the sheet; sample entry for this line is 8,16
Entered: 9,26
